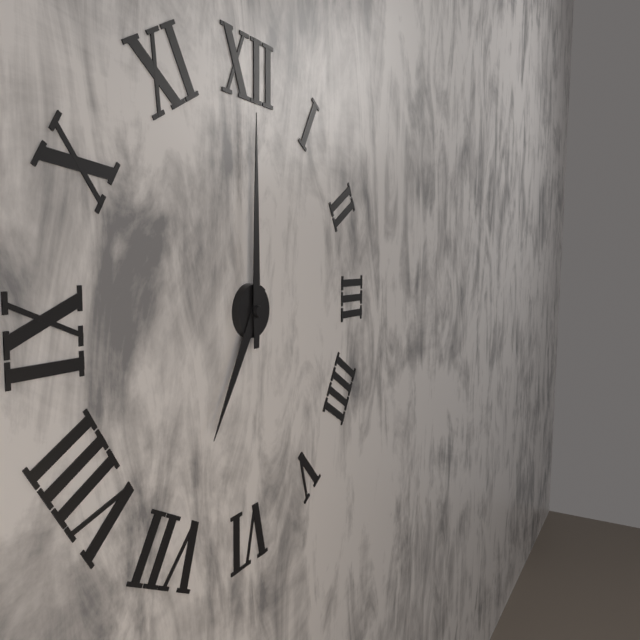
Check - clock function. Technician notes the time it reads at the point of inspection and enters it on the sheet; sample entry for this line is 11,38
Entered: 7,00
